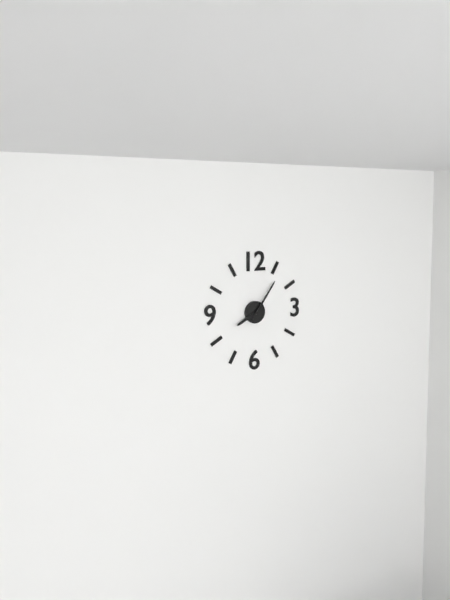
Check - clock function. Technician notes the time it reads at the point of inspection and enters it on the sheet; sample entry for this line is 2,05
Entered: 8,06
